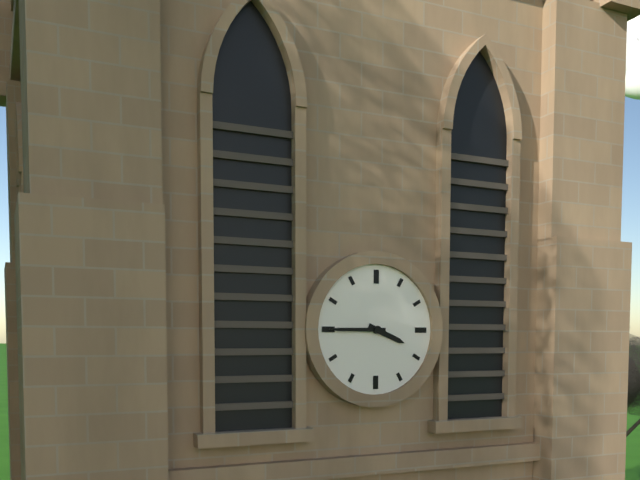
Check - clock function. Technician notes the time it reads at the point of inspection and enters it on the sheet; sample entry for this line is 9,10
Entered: 3,45
